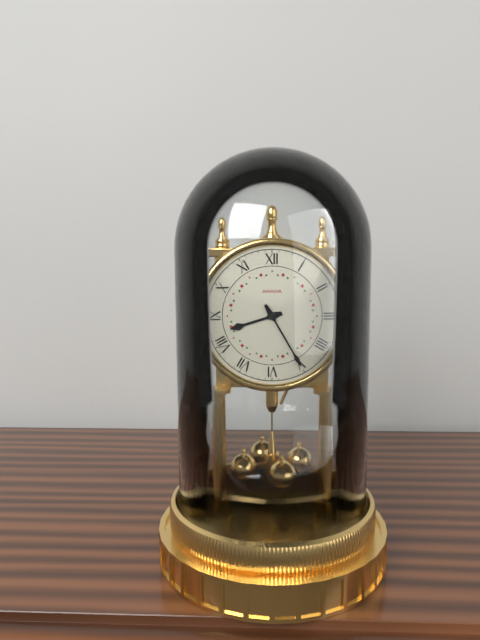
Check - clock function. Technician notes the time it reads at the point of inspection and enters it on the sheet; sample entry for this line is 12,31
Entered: 8,25
